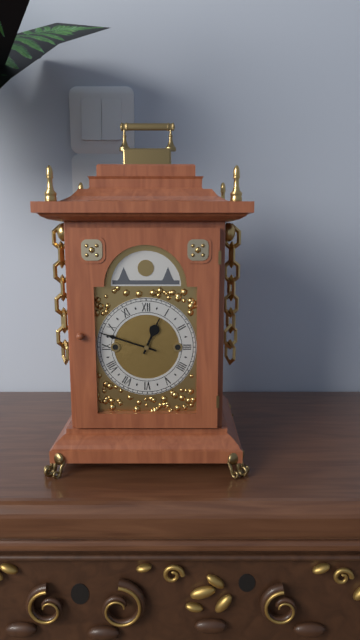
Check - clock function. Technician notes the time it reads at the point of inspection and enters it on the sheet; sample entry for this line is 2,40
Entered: 12,48
